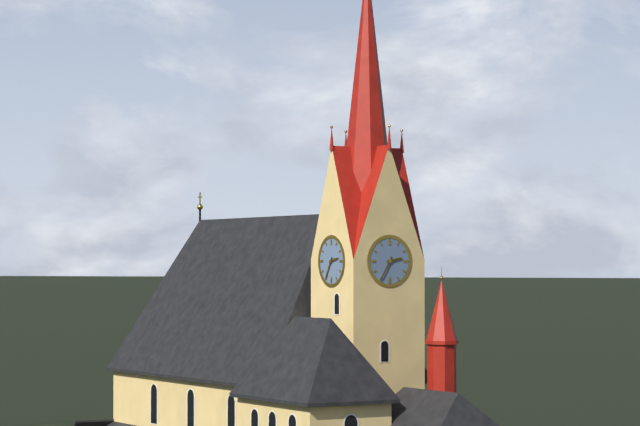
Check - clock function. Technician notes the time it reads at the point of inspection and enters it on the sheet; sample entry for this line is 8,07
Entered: 2,35
